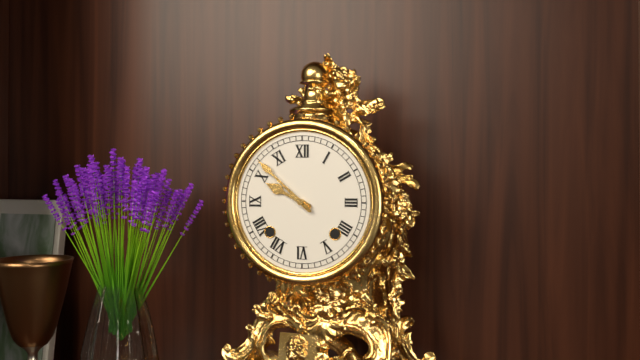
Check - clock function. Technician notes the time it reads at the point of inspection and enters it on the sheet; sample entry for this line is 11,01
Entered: 9,52
